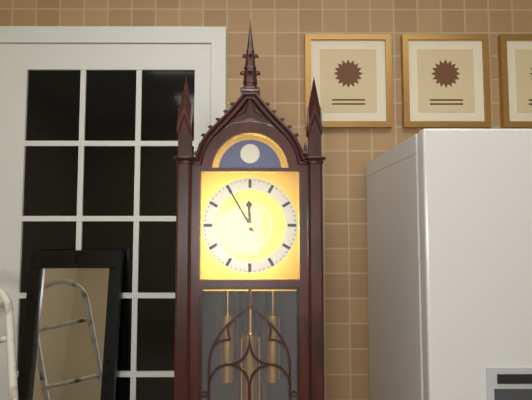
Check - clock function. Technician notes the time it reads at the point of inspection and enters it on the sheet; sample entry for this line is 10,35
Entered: 11,55
